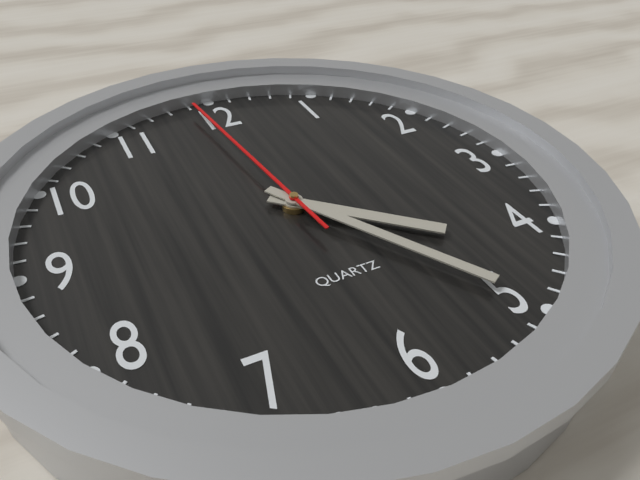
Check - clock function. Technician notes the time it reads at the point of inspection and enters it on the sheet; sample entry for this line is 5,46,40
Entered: 4,25,59
